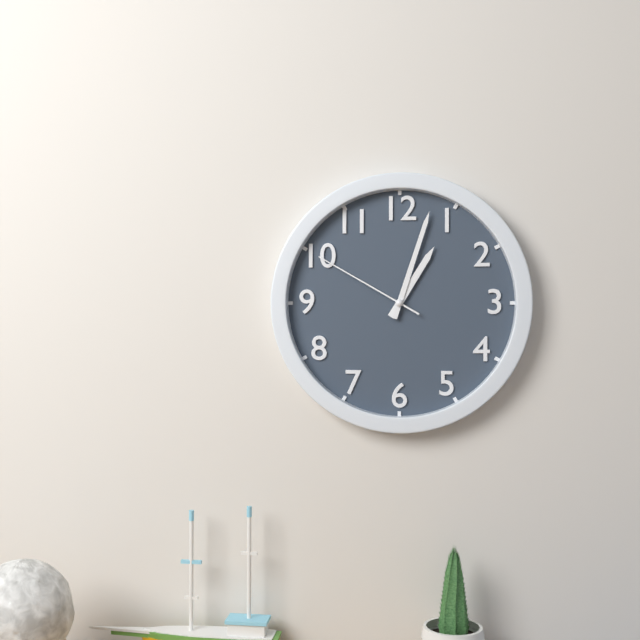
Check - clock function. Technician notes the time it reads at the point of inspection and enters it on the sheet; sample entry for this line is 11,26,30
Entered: 1,03,50
